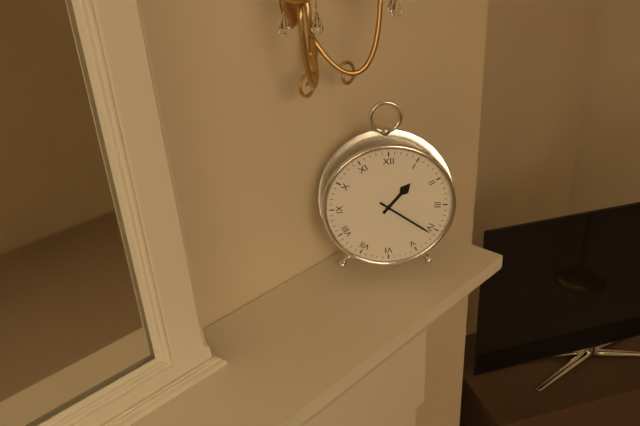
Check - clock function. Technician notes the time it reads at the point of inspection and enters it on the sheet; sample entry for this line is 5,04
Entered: 1,21
